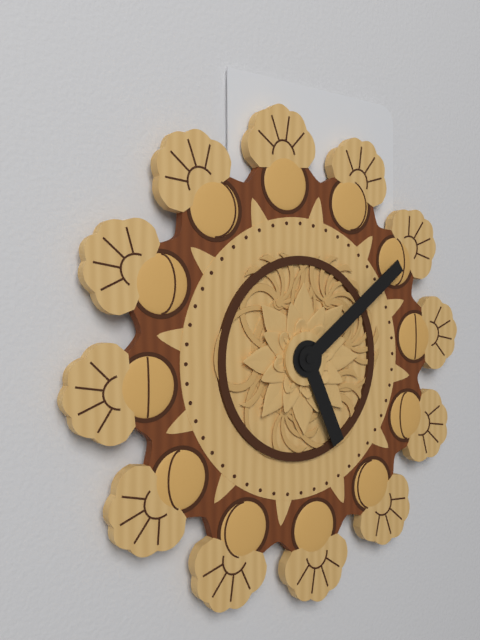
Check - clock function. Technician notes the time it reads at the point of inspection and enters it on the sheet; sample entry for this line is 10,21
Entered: 5,09
